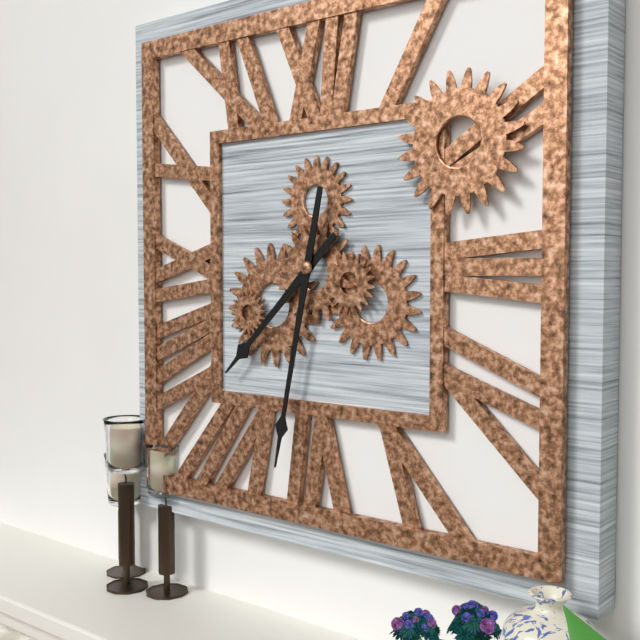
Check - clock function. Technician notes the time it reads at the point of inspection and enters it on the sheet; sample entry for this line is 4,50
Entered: 7,32
